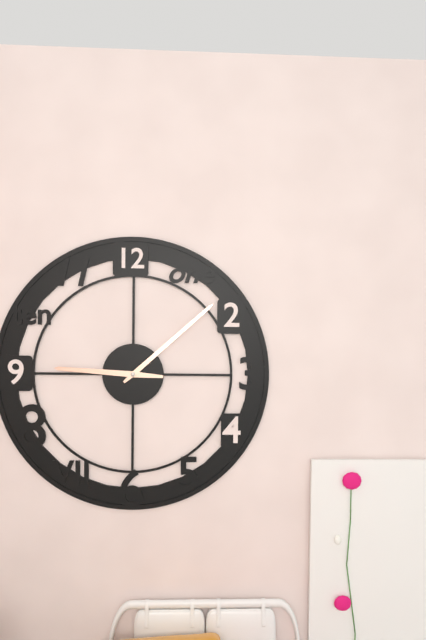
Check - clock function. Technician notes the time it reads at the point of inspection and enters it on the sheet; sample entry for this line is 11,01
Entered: 9,08
